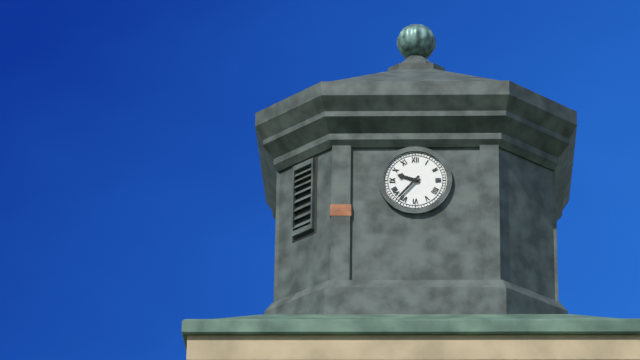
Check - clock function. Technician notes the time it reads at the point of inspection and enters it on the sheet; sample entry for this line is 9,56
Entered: 9,37
